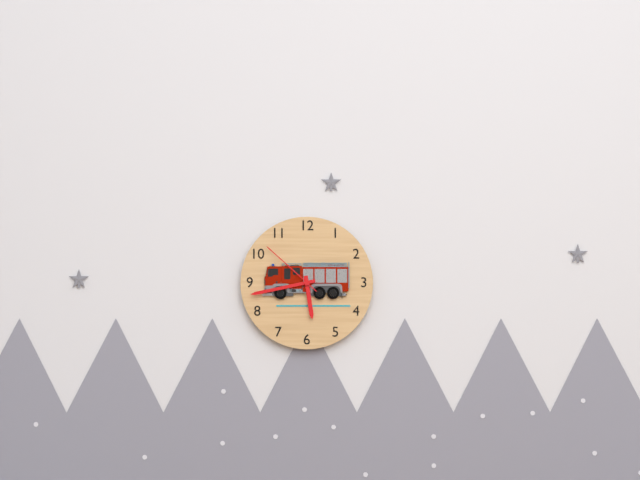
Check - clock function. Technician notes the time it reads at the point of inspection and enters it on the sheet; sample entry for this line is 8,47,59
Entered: 5,43,52
